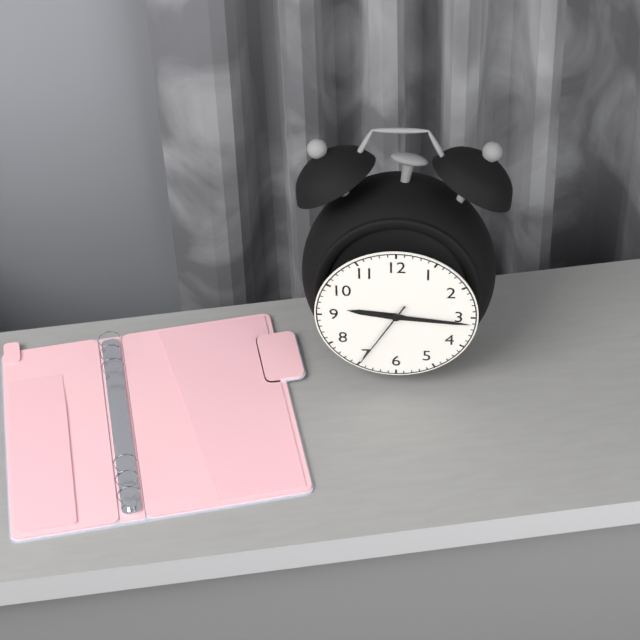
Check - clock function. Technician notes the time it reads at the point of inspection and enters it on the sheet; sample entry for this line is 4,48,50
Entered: 9,16,35
